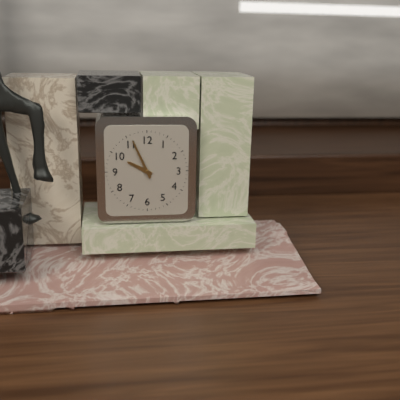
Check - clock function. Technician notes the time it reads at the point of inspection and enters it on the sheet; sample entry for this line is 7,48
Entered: 9,56
